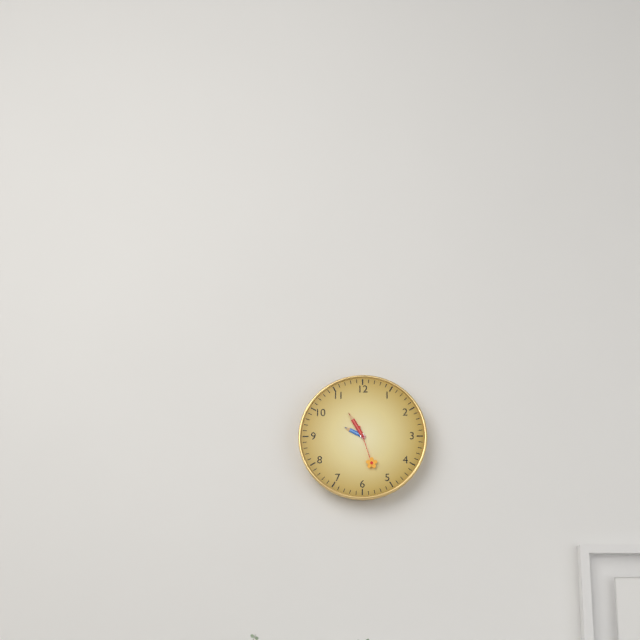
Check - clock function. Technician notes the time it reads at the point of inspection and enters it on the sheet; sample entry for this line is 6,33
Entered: 9,55
